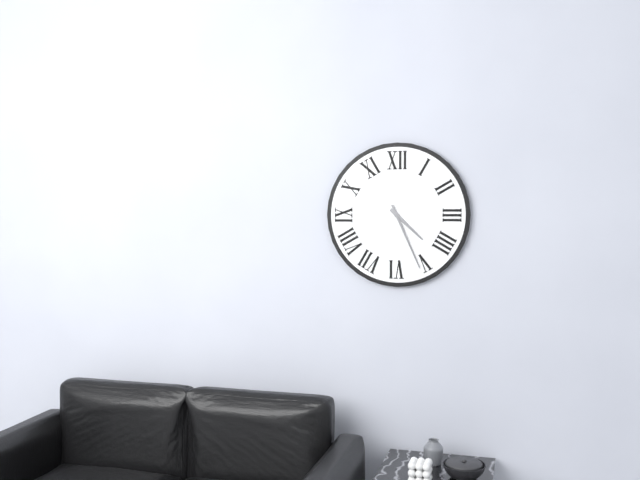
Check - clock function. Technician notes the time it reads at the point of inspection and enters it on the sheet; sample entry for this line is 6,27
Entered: 4,26
